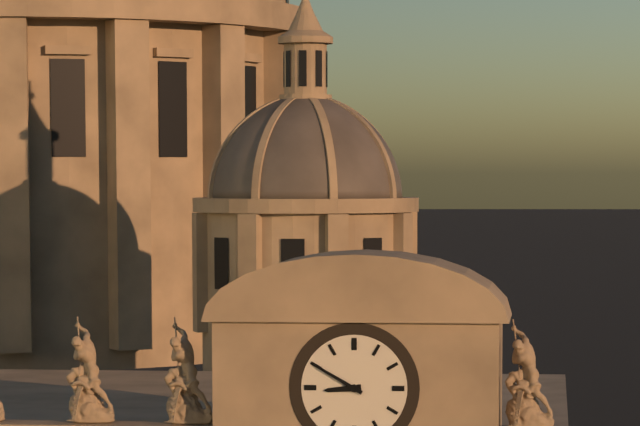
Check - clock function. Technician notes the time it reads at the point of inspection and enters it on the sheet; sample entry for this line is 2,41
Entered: 8,50
